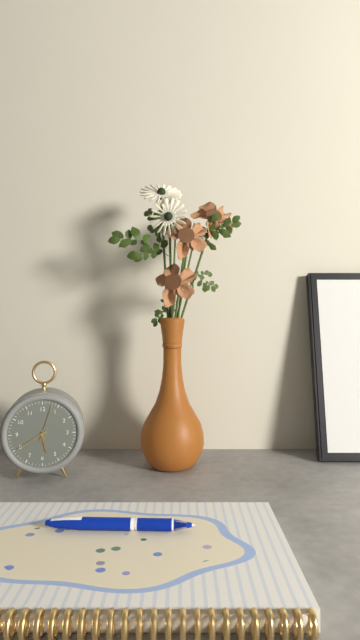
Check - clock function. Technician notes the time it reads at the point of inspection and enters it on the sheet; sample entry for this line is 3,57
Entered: 5,40
